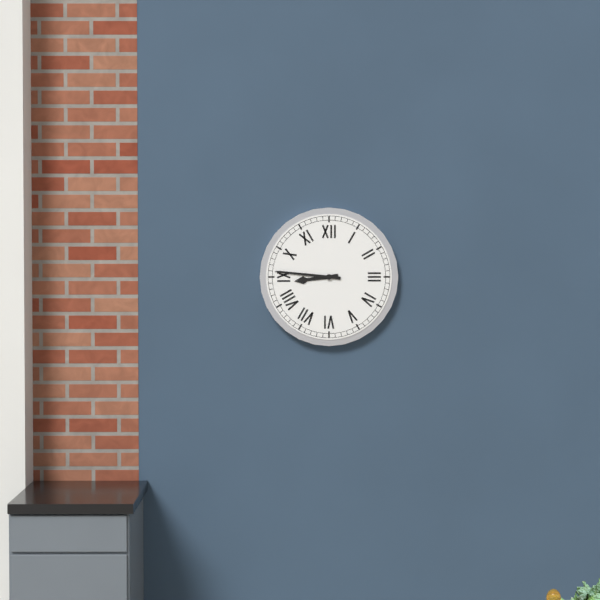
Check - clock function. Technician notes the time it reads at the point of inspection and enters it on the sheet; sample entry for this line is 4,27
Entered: 8,46
